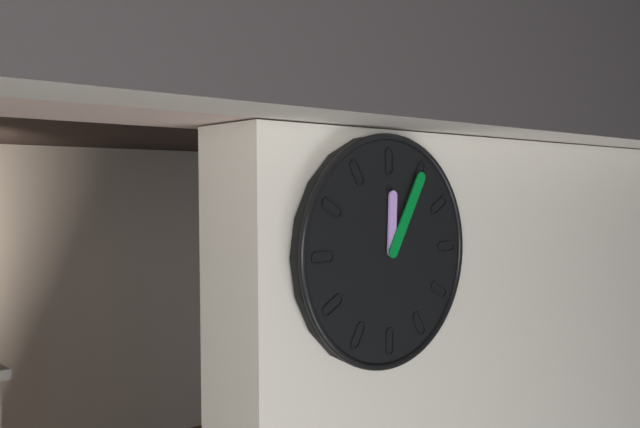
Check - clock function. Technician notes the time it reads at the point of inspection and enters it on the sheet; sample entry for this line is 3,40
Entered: 12,05
